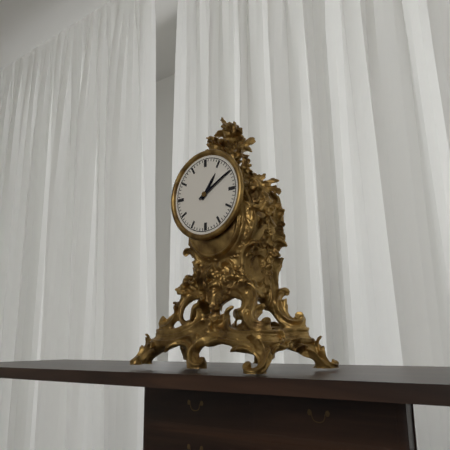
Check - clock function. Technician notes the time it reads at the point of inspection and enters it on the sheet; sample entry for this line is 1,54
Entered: 1,10
